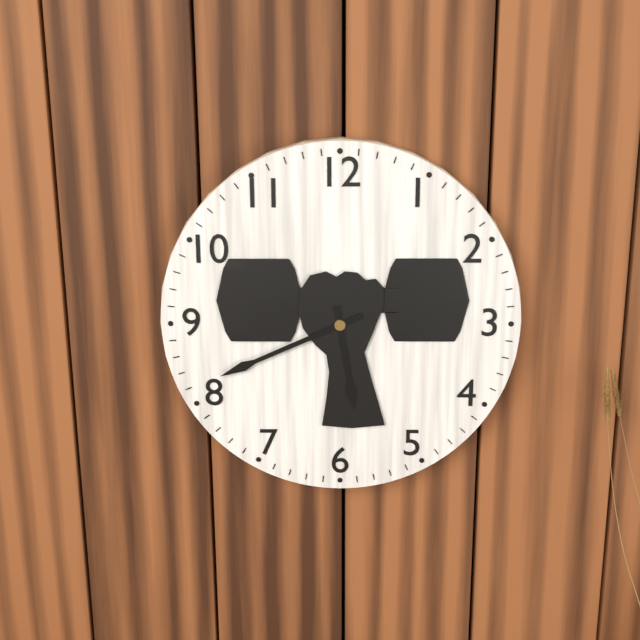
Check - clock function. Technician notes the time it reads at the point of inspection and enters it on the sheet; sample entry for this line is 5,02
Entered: 5,41
